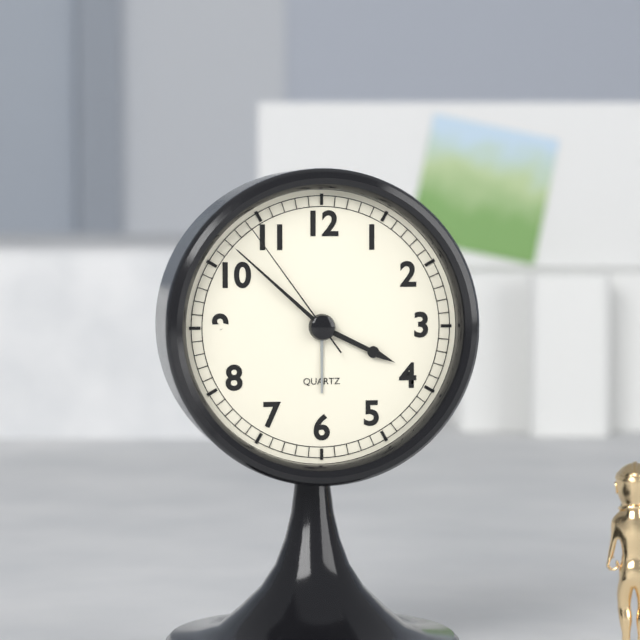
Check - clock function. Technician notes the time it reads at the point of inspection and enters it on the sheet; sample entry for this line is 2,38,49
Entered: 3,52,54
